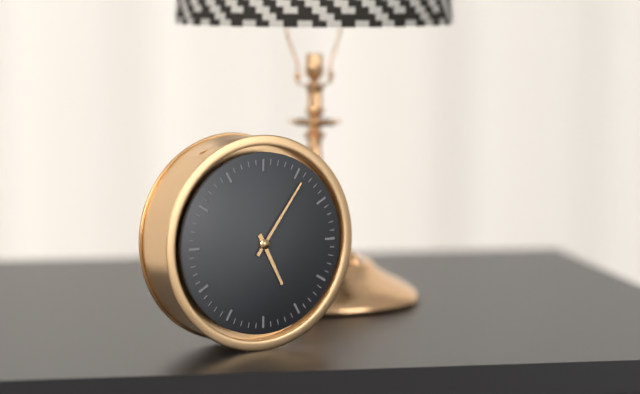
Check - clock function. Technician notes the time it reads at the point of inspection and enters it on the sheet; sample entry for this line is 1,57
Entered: 5,06
